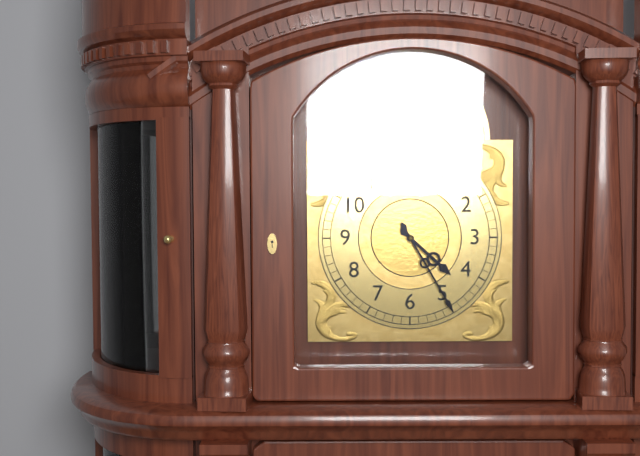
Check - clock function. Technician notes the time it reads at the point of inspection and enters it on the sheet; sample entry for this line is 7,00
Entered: 4,25
